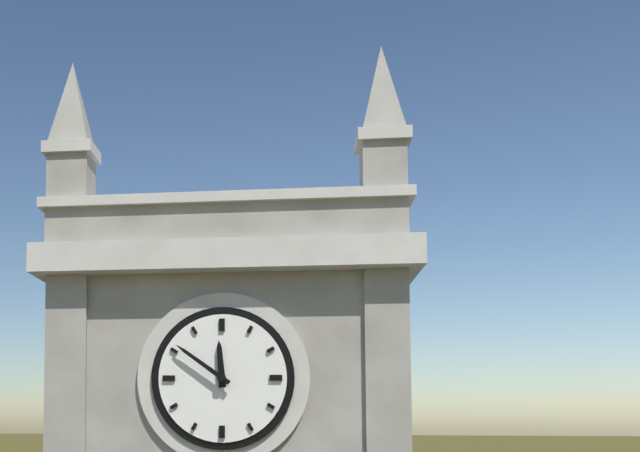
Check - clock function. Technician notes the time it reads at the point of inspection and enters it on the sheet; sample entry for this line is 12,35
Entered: 11,51
